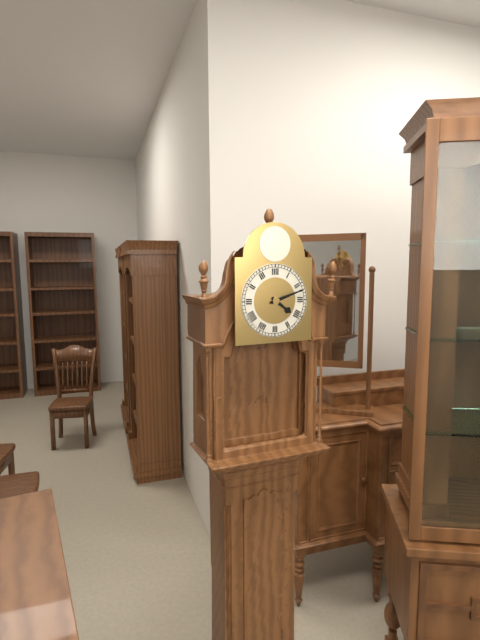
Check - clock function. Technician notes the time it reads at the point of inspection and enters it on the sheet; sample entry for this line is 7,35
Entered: 4,12
